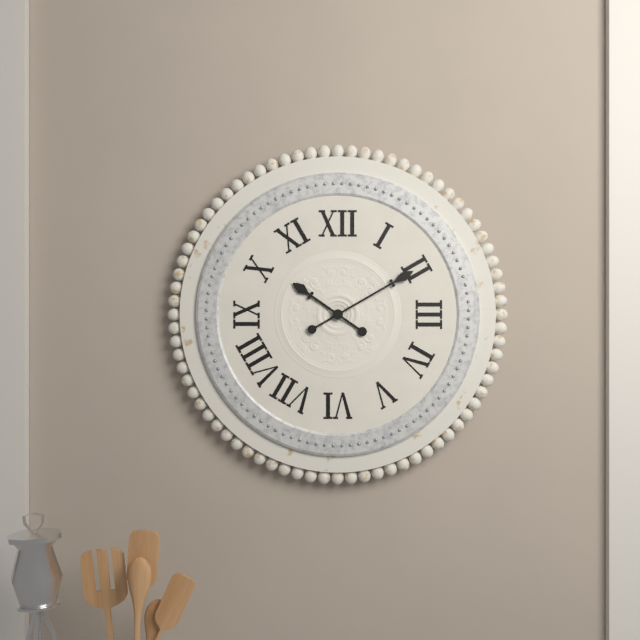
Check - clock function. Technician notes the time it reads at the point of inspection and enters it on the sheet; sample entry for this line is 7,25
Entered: 10,10
